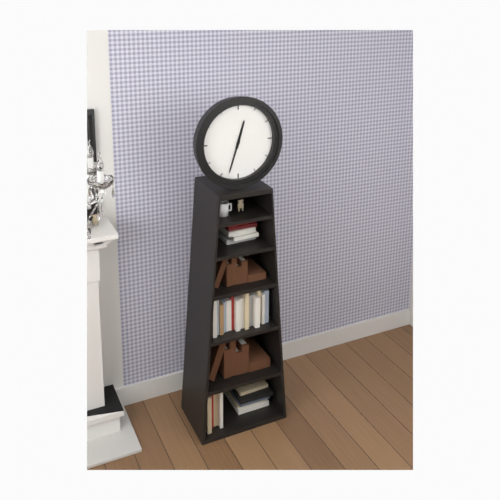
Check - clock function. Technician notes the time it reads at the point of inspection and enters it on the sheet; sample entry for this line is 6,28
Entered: 12,33
